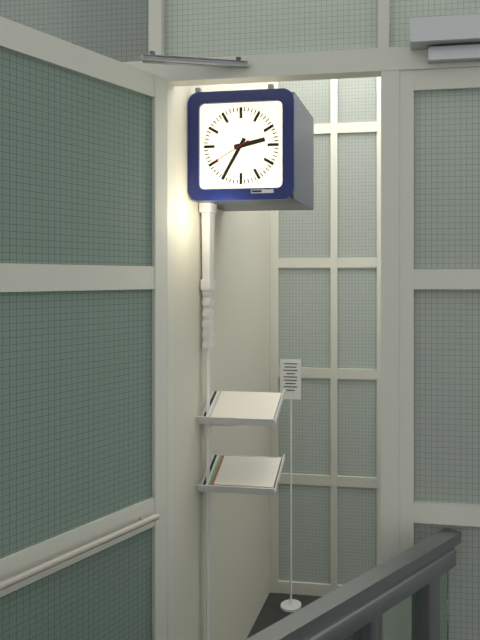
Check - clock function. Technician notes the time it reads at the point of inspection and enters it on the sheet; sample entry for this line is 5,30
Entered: 2,35
